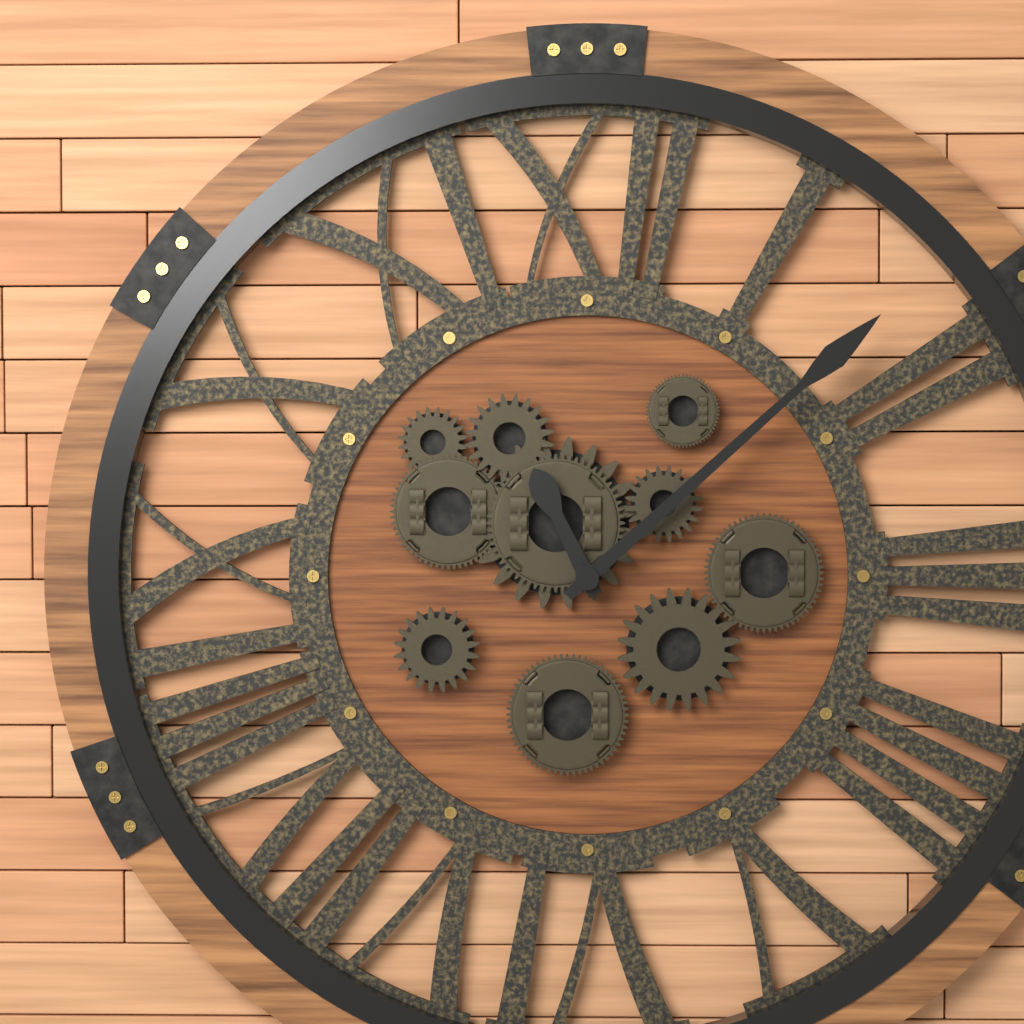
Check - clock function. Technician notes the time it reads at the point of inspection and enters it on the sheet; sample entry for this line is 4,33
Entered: 11,08
